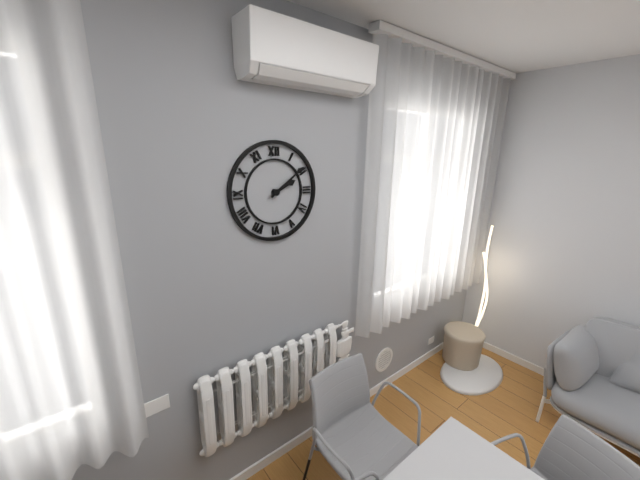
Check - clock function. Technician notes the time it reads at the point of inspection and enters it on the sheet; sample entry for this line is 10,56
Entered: 2,09
